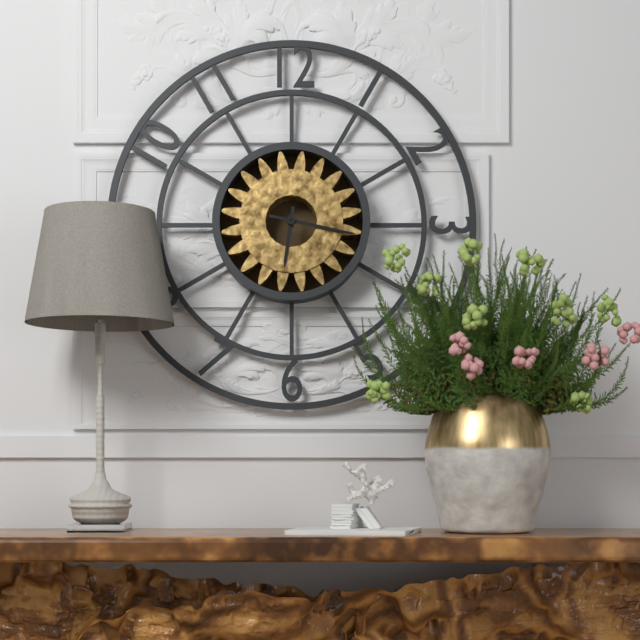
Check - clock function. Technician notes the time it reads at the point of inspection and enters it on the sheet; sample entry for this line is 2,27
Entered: 6,17
